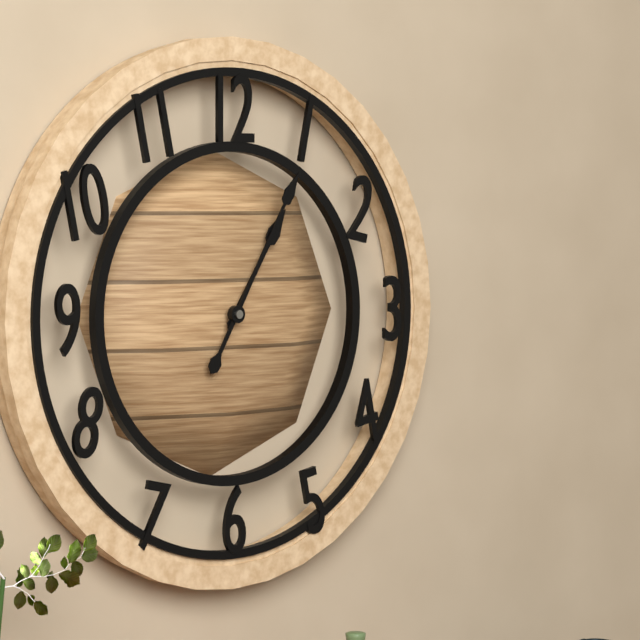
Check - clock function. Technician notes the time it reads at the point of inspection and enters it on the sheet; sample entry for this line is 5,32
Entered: 1,05
